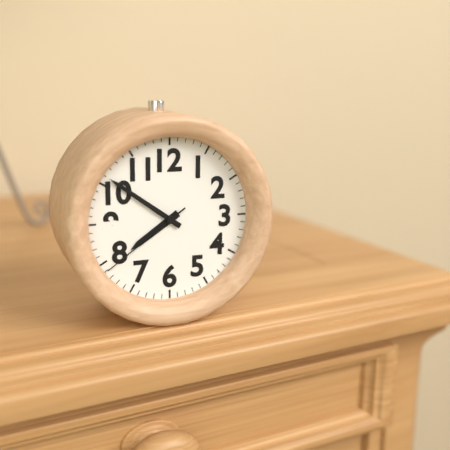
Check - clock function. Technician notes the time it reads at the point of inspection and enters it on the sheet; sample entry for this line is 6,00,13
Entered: 7,51,39
